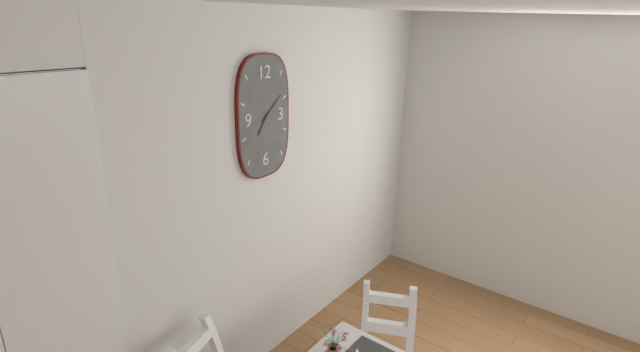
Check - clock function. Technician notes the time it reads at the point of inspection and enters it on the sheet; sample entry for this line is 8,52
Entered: 7,08
